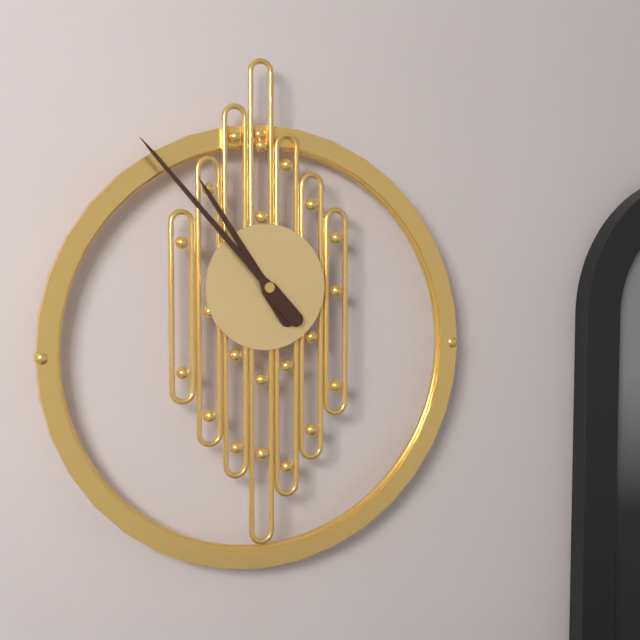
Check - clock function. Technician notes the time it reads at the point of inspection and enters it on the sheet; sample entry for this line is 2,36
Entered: 10,53
